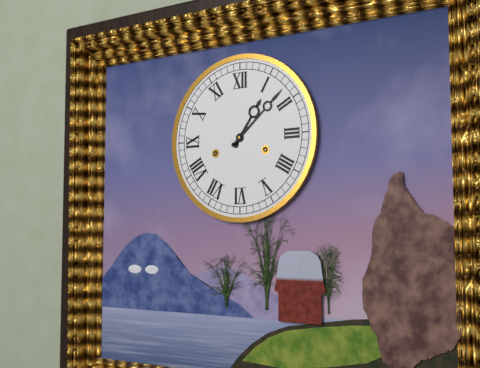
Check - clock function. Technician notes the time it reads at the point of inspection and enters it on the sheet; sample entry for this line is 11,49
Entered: 1,08
